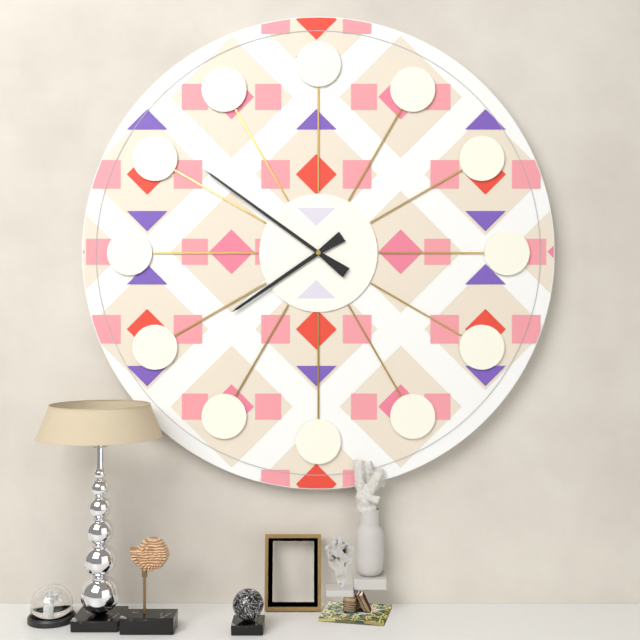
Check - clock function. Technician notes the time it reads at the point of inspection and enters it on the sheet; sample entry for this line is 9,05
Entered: 7,51
